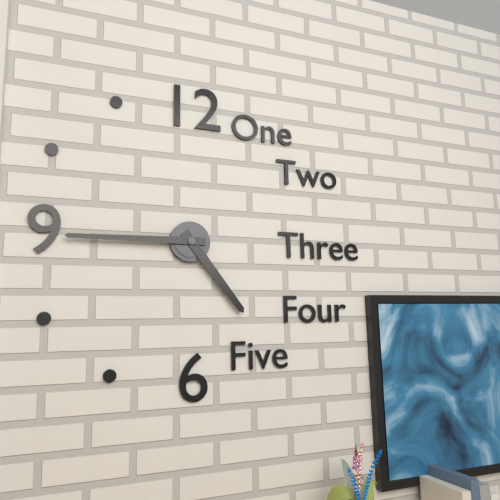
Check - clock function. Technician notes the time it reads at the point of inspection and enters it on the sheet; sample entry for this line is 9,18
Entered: 4,45
